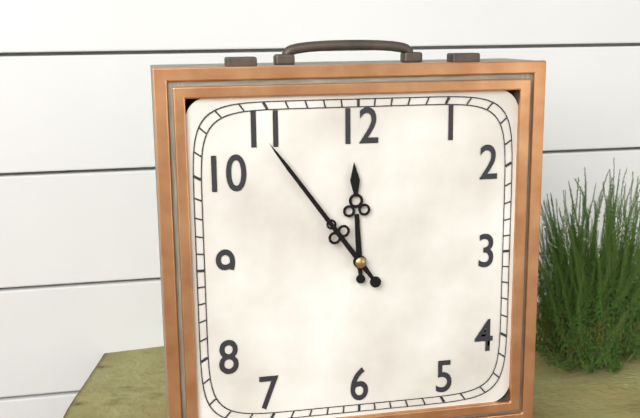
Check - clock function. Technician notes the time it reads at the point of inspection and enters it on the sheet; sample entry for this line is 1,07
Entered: 11,54
